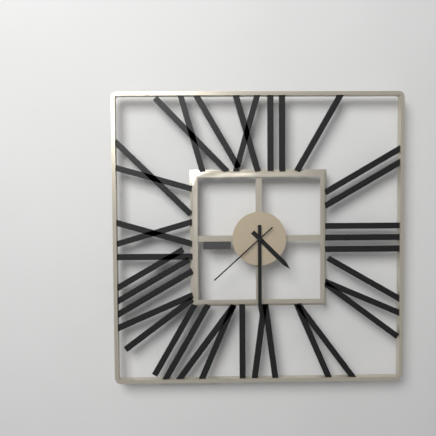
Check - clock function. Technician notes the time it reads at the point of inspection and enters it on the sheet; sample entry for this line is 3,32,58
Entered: 4,30,38
